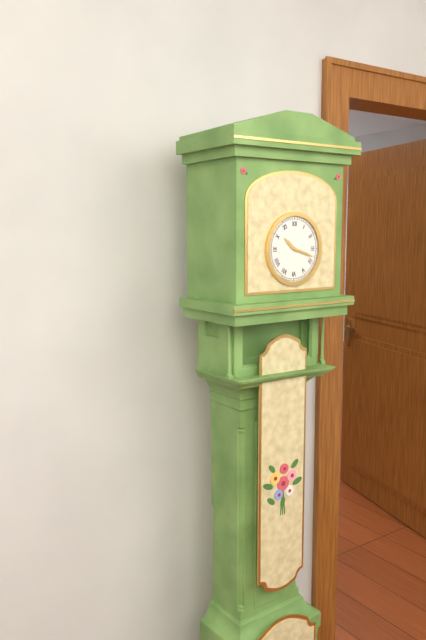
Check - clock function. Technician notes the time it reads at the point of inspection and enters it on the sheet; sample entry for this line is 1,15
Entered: 10,18
